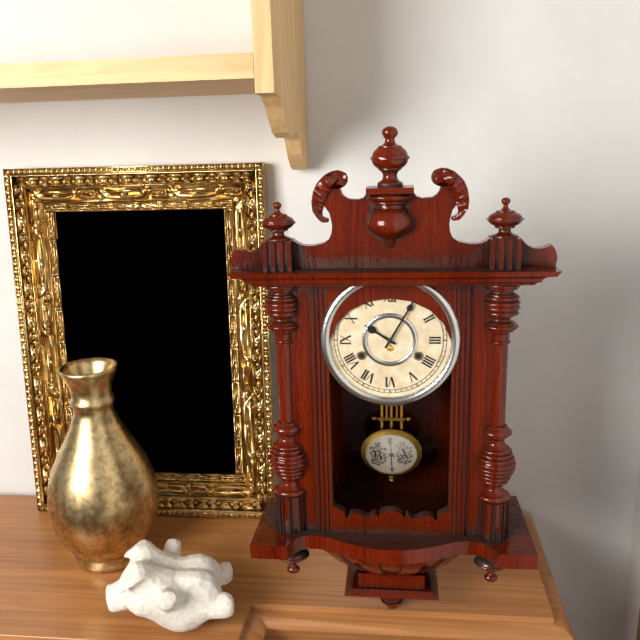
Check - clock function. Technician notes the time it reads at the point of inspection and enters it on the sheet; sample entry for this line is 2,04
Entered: 10,05
